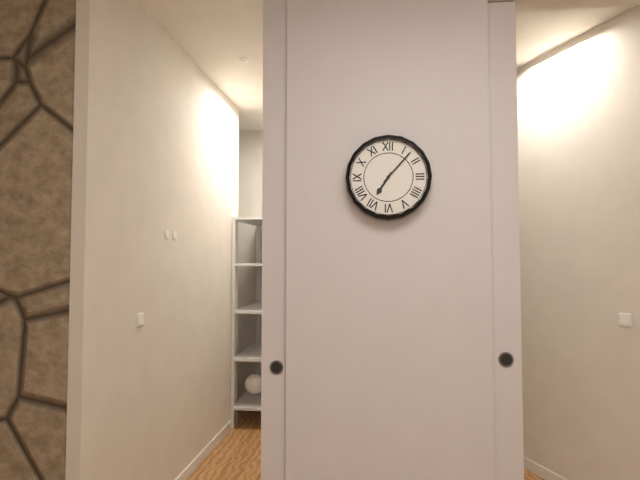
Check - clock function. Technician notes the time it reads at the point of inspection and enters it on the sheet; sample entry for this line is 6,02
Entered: 7,07
